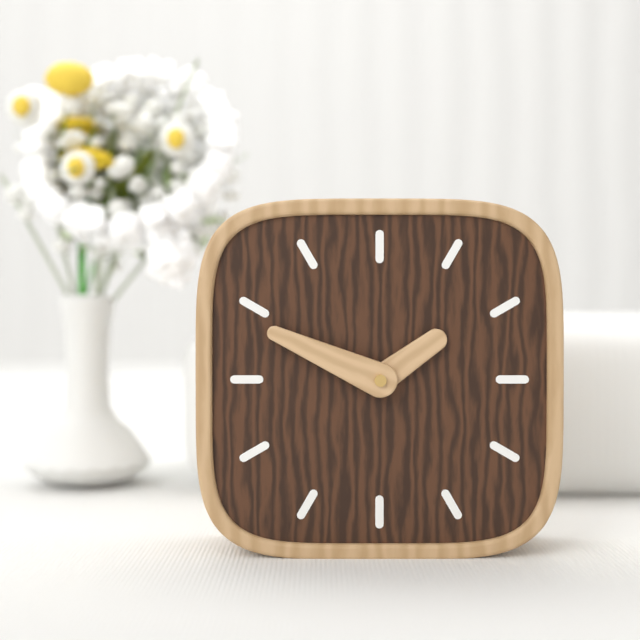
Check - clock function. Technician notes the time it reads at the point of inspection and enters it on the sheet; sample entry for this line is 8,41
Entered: 1,49
